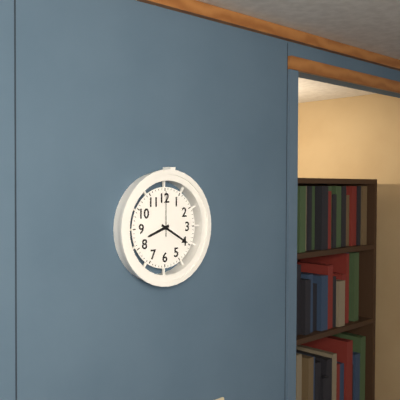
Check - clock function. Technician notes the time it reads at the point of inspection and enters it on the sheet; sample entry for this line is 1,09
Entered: 8,20
